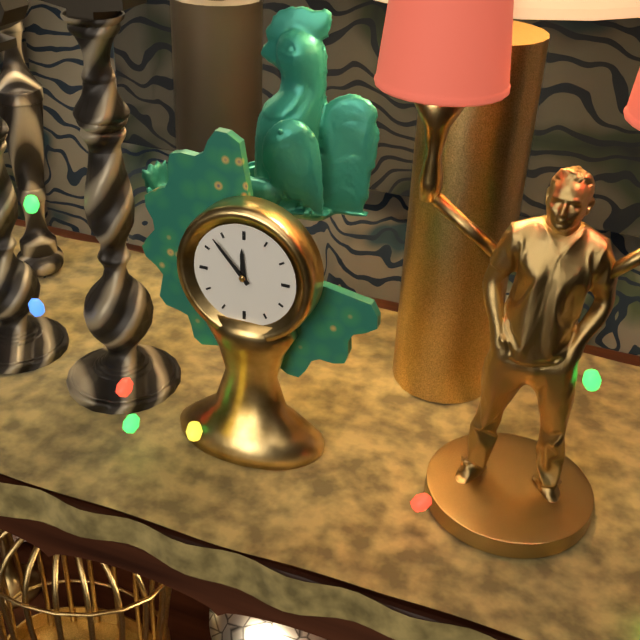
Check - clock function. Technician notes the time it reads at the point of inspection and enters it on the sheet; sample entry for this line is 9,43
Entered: 11,53
